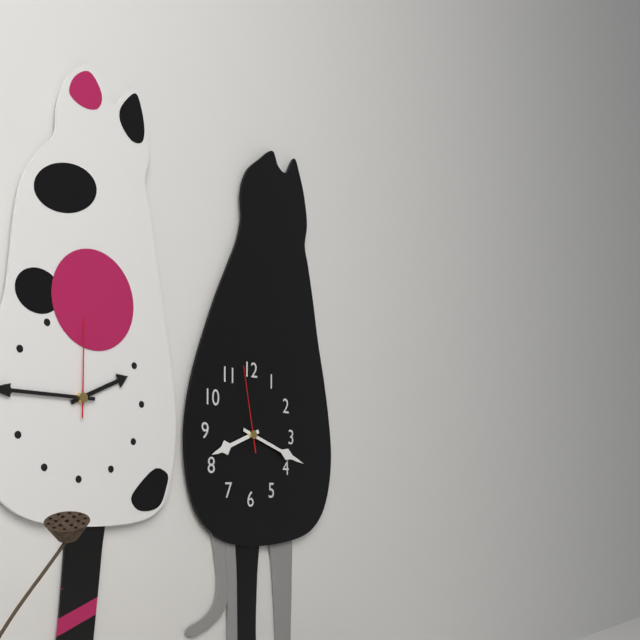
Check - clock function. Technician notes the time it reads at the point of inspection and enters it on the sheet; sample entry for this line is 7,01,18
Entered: 8,18,58
